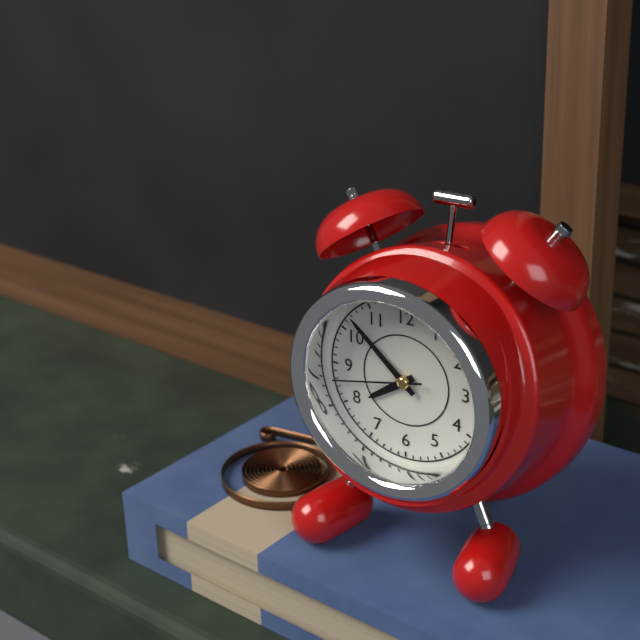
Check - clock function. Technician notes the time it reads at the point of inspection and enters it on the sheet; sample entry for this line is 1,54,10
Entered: 7,52,43
